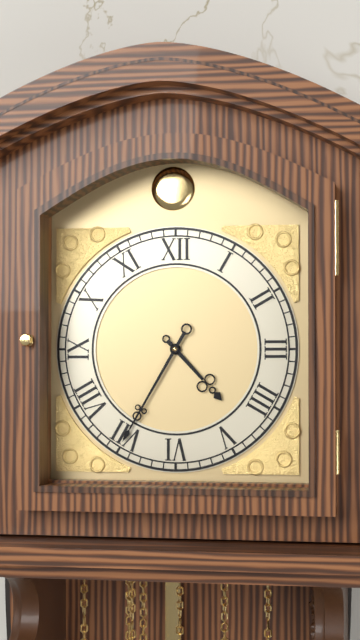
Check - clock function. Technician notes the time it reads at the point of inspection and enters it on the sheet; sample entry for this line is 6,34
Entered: 4,35
